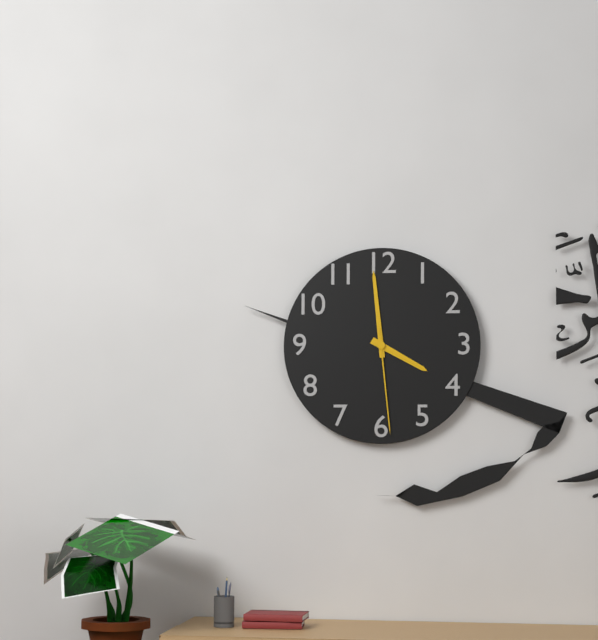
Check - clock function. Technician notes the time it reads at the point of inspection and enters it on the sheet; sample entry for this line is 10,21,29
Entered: 3,59,29
